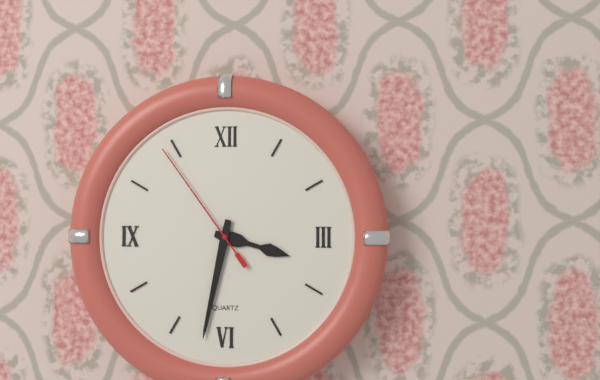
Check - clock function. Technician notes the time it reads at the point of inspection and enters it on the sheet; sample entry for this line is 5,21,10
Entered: 3,32,54
